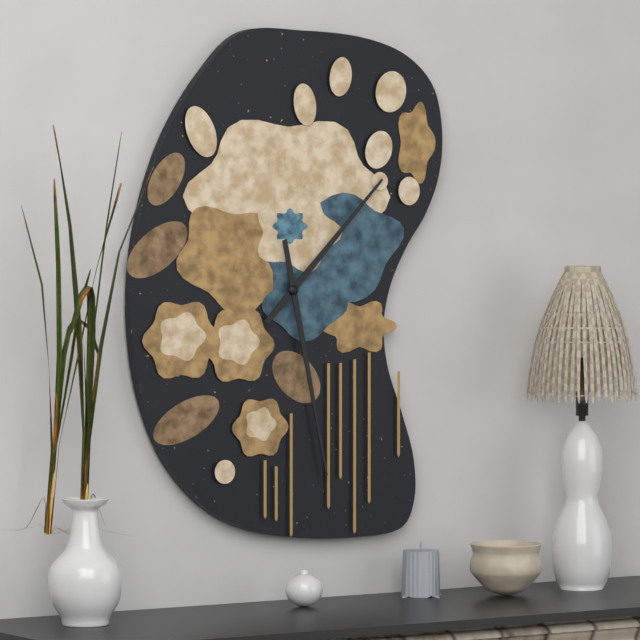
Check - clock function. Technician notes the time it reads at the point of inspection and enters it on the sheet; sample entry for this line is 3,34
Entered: 1,28
